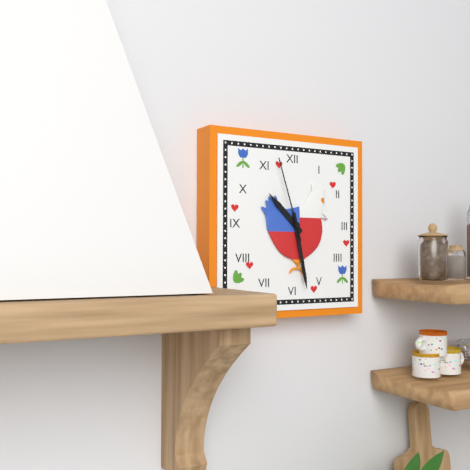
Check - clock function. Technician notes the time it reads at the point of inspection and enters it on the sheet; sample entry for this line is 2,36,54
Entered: 10,28,57
